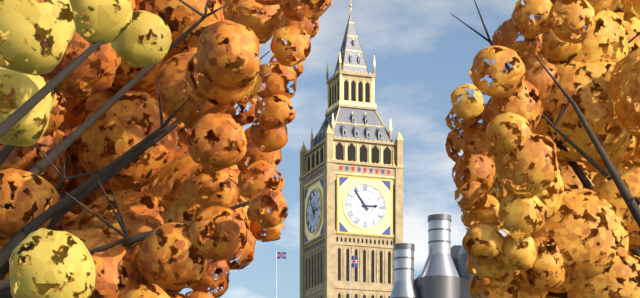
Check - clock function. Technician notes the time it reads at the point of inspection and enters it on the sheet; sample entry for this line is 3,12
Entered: 2,54
